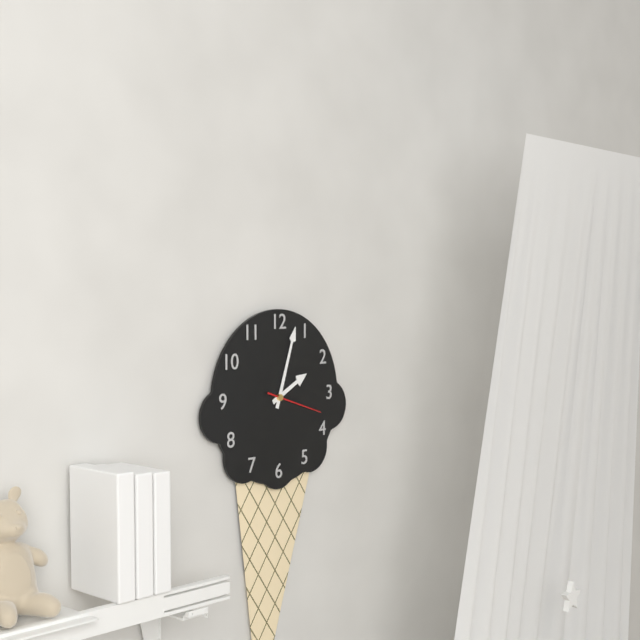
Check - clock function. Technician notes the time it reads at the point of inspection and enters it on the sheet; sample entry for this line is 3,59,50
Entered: 2,03,18
